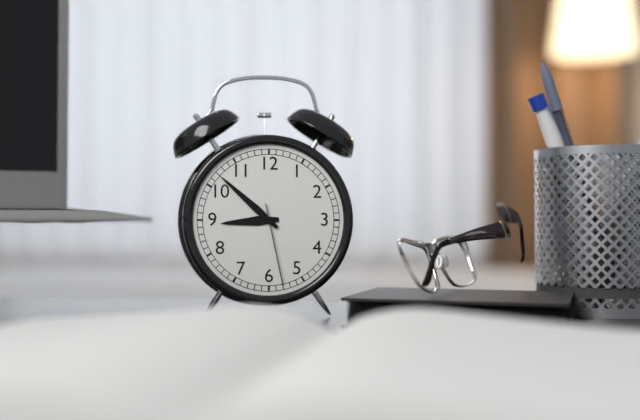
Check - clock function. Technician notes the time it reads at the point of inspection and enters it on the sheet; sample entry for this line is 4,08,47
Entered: 8,52,28
